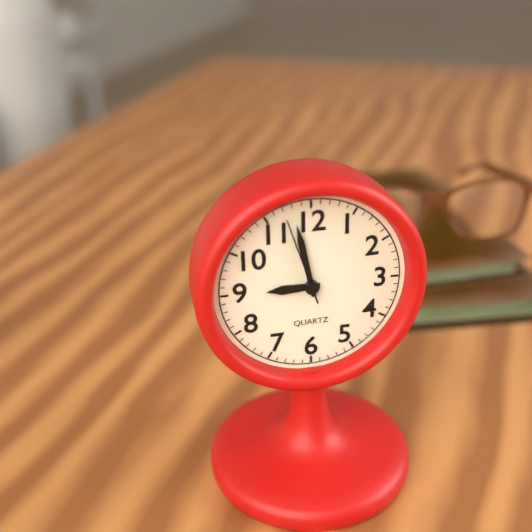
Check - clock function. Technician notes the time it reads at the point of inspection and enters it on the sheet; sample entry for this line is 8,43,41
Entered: 8,58,57
